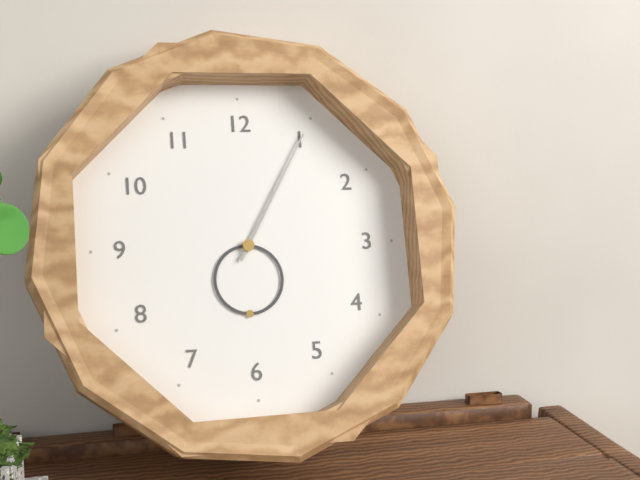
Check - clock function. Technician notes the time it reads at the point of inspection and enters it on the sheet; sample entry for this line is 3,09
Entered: 6,05
